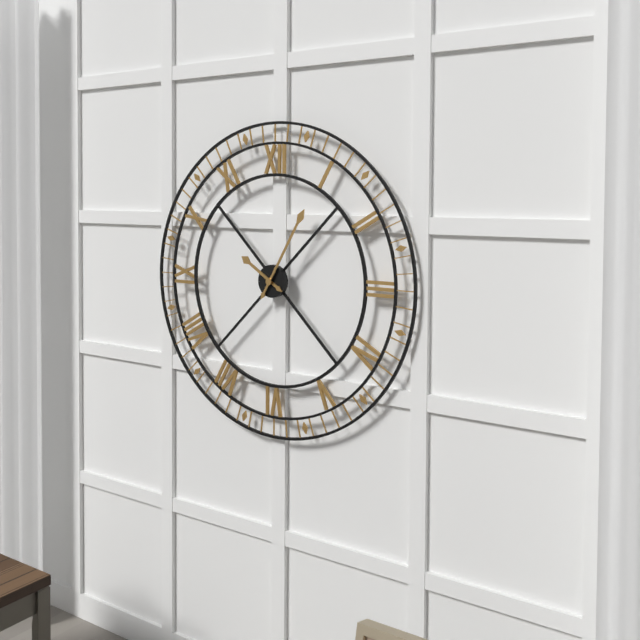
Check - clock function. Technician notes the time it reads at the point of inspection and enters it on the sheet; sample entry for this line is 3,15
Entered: 10,05
